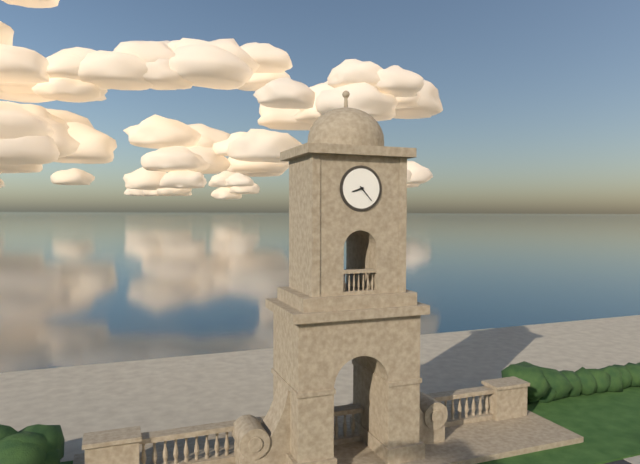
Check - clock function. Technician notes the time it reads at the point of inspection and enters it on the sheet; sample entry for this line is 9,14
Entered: 8,23
